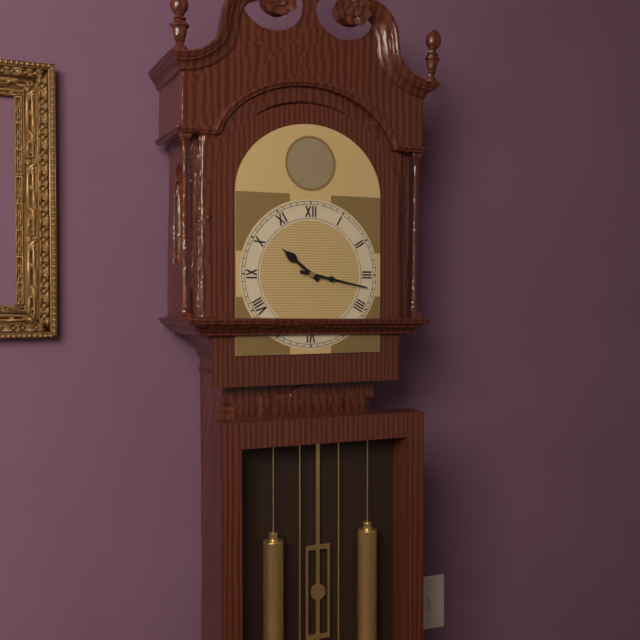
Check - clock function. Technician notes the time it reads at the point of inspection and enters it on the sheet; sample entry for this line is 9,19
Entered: 10,17
